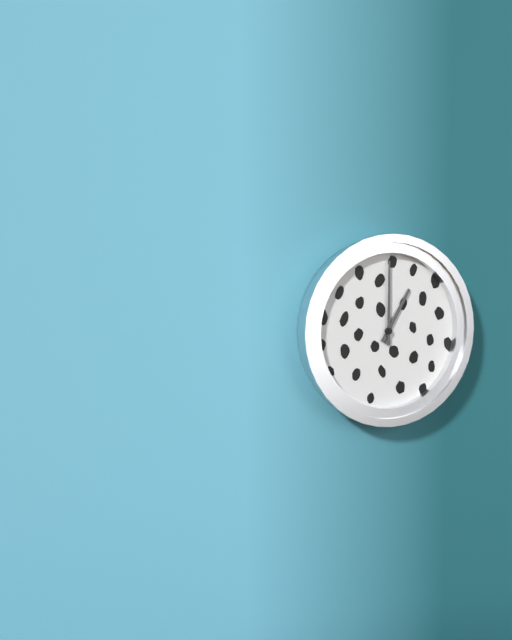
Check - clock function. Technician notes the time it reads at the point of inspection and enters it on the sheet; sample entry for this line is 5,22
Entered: 1,00
